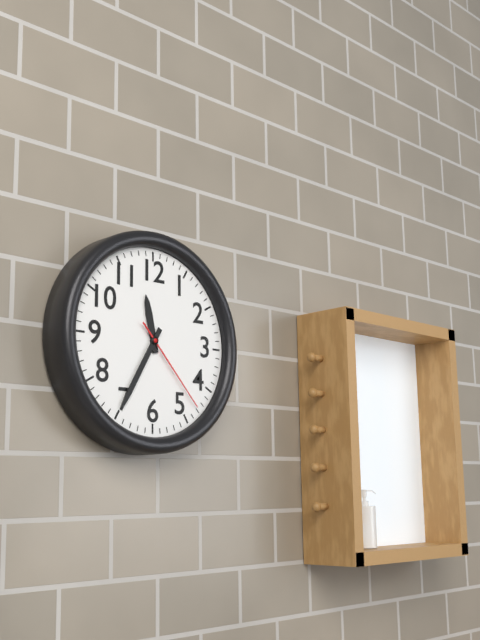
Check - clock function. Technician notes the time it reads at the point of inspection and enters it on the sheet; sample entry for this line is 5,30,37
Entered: 11,35,23
